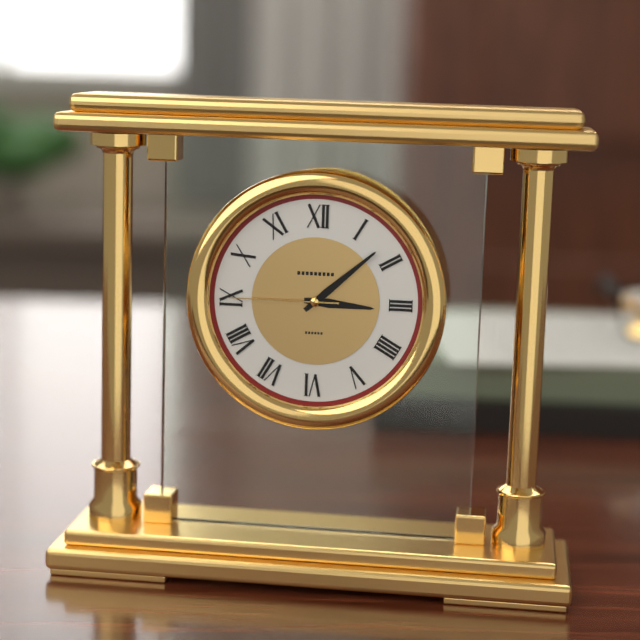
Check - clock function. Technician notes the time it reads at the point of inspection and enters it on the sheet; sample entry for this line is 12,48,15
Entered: 3,08,45
